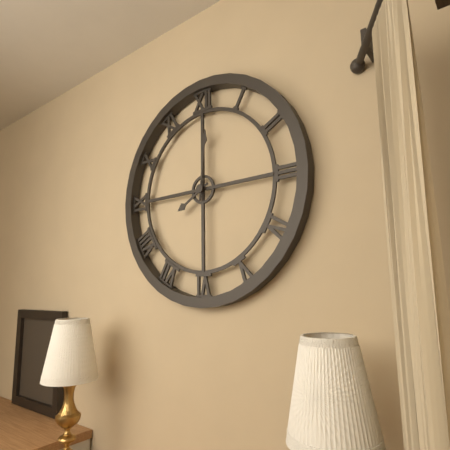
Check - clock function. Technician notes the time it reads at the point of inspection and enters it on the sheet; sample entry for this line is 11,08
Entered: 8,01
